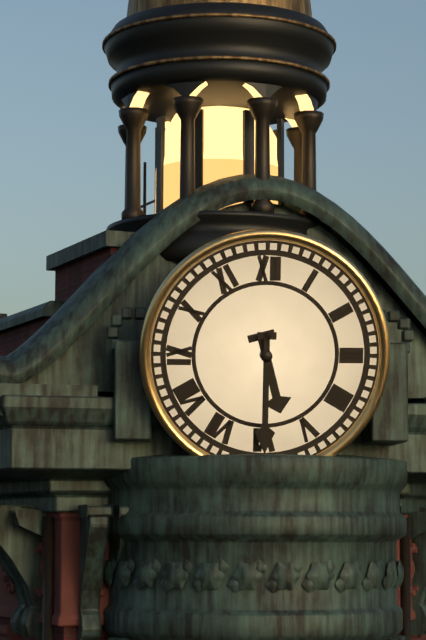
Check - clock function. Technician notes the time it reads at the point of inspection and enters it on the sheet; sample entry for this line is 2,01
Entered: 5,30
